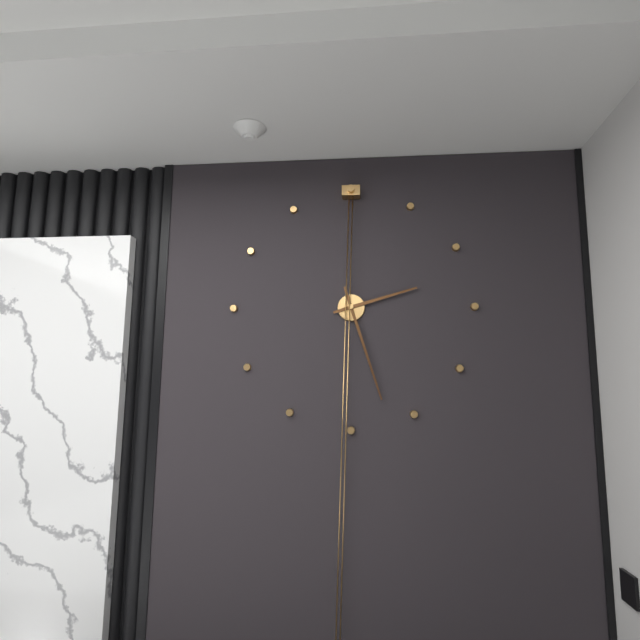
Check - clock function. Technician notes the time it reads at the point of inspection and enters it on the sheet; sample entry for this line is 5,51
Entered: 2,27
